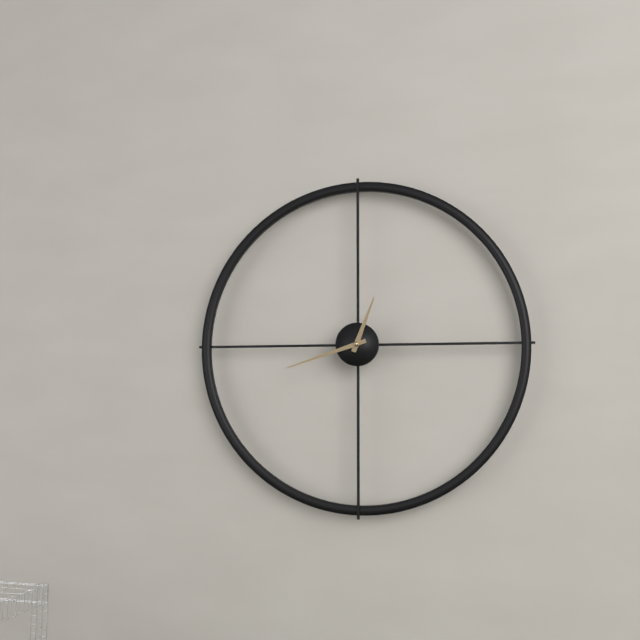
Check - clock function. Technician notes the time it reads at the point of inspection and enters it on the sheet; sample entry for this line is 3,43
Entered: 12,42
